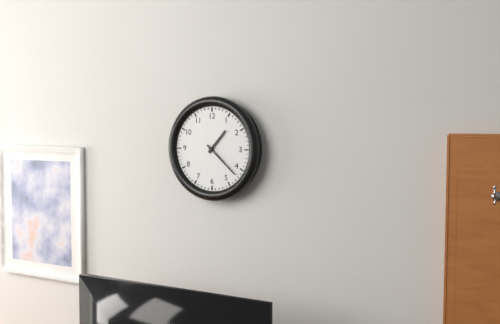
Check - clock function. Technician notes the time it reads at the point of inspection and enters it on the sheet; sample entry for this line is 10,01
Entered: 1,22
